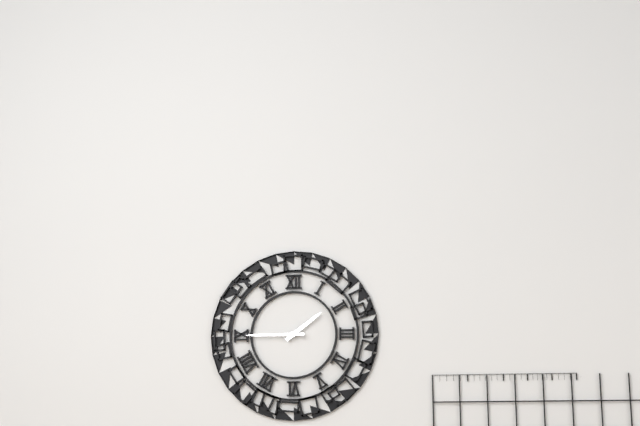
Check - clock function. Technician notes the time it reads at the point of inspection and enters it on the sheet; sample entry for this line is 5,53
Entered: 1,45
